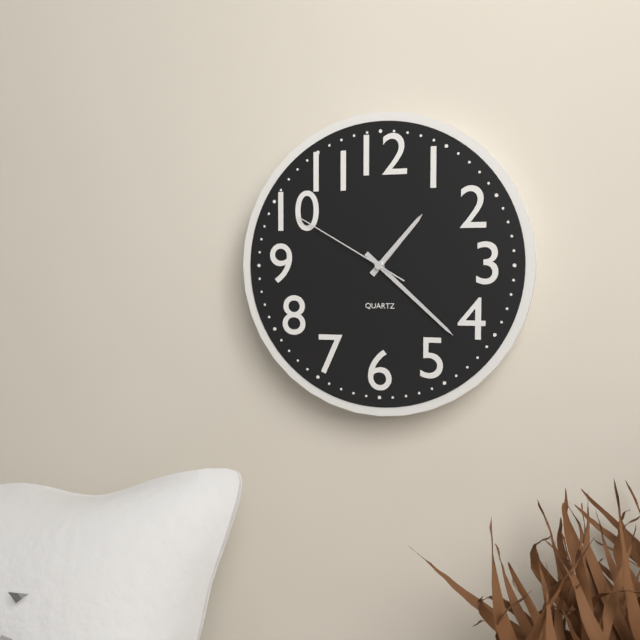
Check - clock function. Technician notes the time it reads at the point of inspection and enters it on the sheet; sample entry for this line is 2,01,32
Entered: 1,22,50
